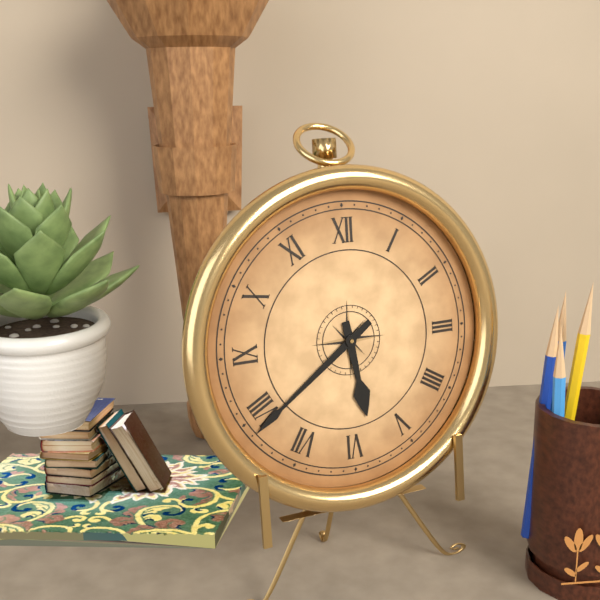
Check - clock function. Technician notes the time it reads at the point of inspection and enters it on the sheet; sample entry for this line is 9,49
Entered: 5,39
